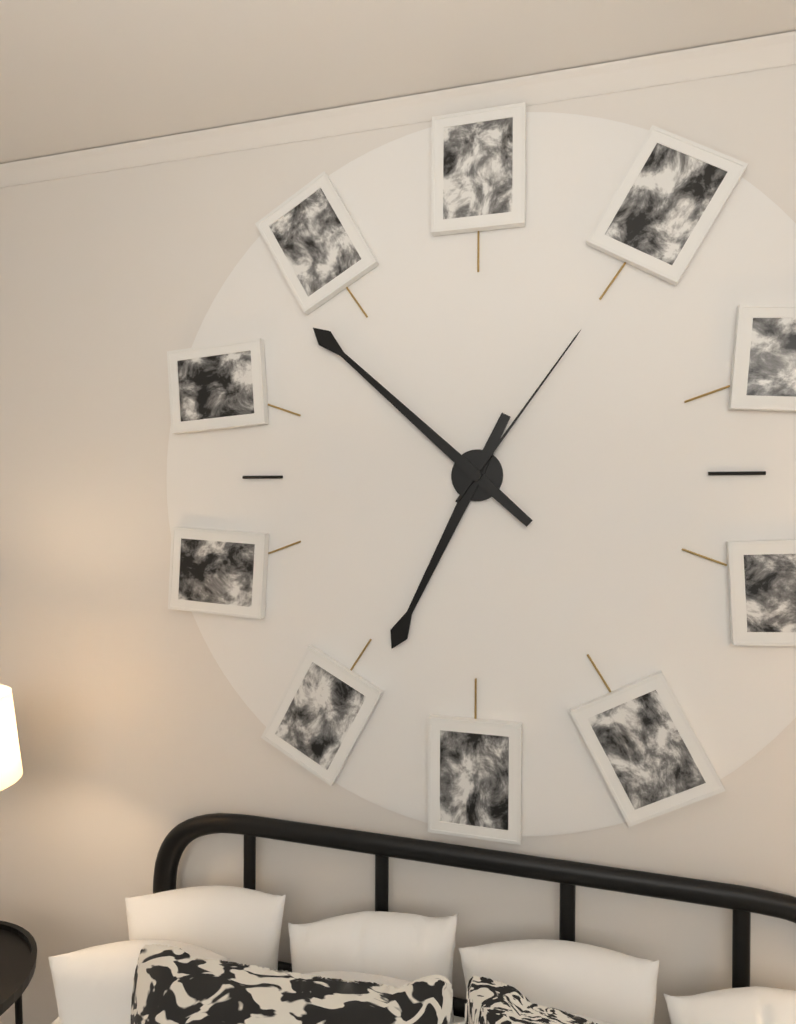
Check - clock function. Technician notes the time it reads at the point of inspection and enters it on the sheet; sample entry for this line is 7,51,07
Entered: 6,52,06
